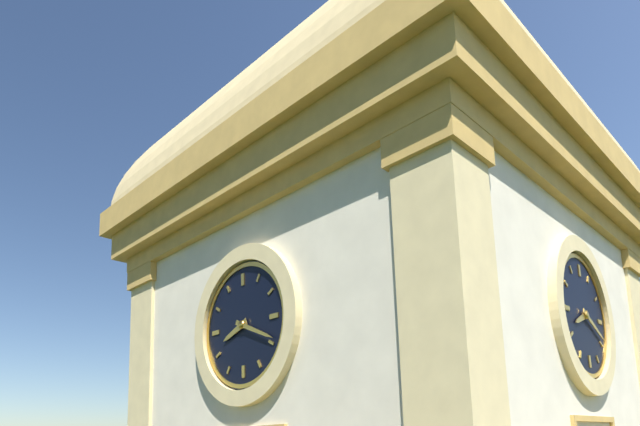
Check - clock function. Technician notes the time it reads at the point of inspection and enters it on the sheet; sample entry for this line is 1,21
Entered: 8,19
